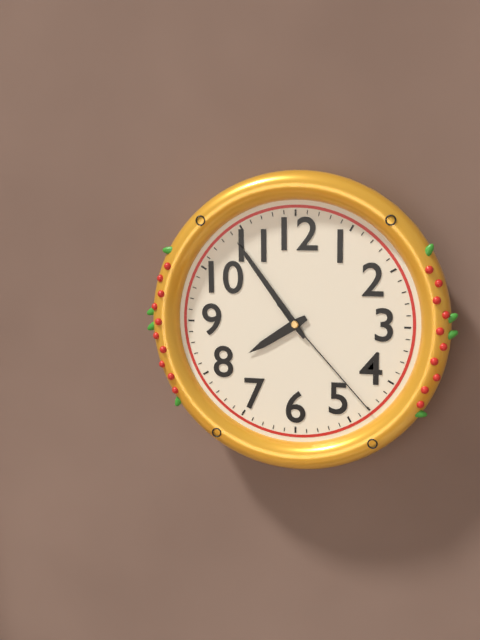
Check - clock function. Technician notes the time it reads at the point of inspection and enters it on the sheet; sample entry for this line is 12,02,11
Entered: 7,54,23
